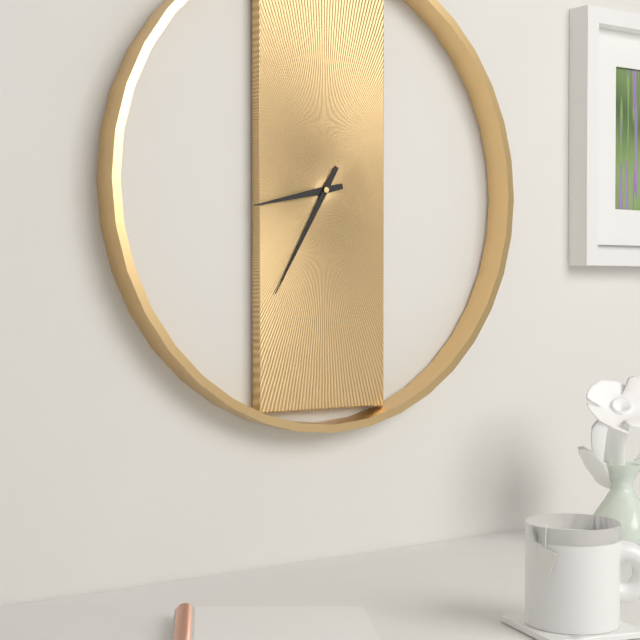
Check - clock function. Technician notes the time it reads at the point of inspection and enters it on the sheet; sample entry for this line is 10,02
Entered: 8,35
